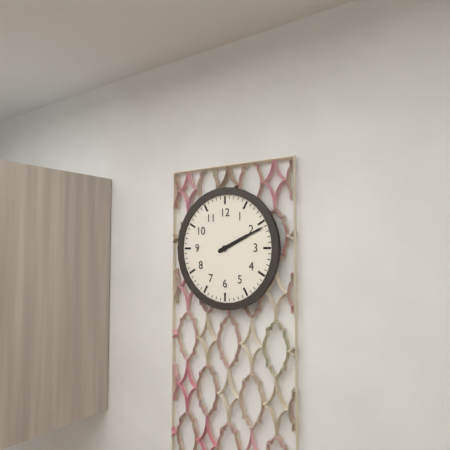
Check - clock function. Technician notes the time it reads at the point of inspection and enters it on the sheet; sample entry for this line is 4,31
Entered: 2,11
